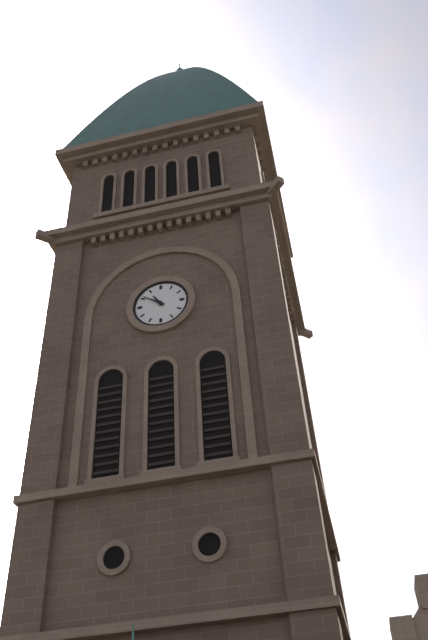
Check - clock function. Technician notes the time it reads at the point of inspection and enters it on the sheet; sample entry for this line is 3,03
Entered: 10,51
